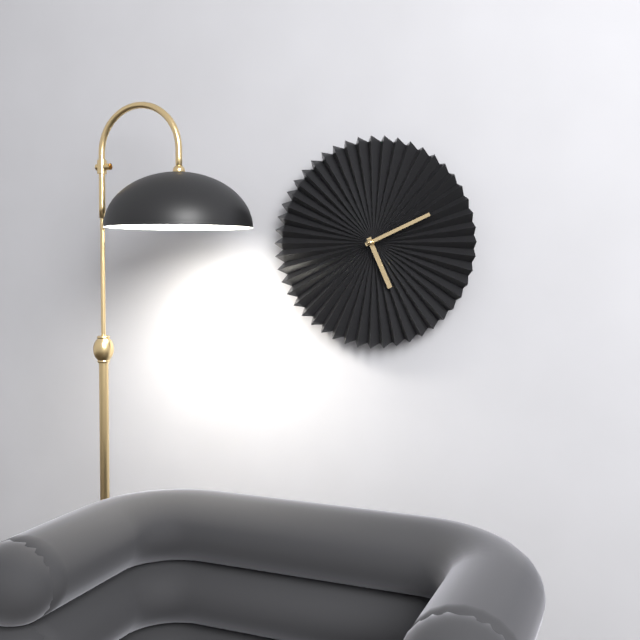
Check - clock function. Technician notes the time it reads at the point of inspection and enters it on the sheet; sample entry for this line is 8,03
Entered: 5,11
